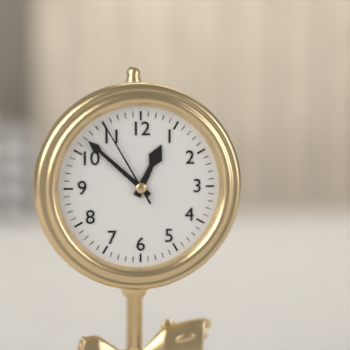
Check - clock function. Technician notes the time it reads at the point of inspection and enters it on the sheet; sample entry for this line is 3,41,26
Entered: 12,52,55
